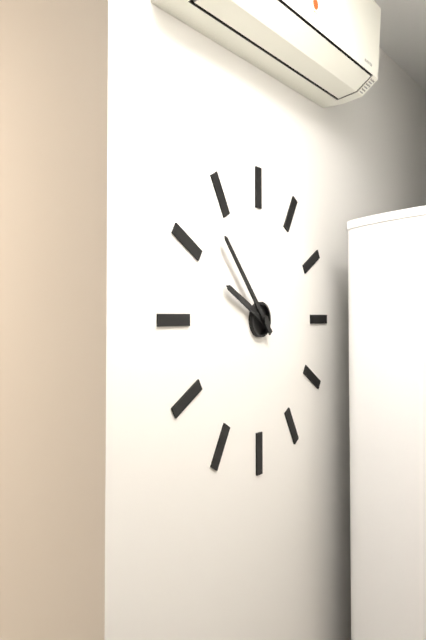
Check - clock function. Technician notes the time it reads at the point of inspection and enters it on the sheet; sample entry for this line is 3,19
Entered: 9,53
